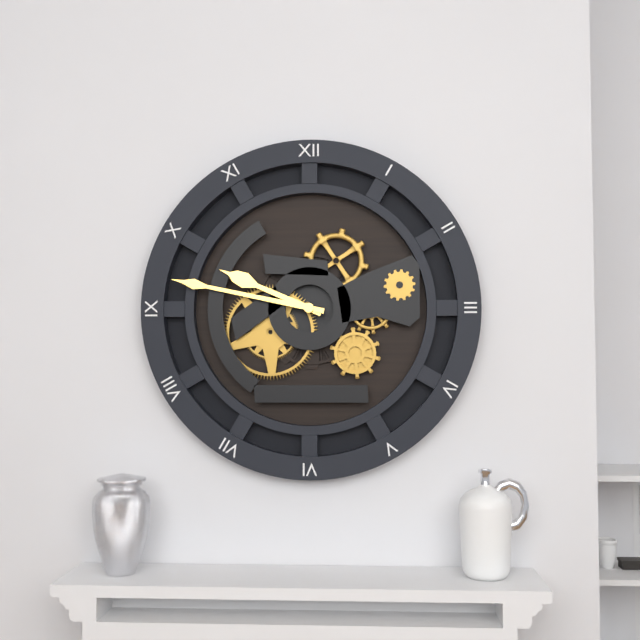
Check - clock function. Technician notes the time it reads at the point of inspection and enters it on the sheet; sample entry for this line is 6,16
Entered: 9,47
